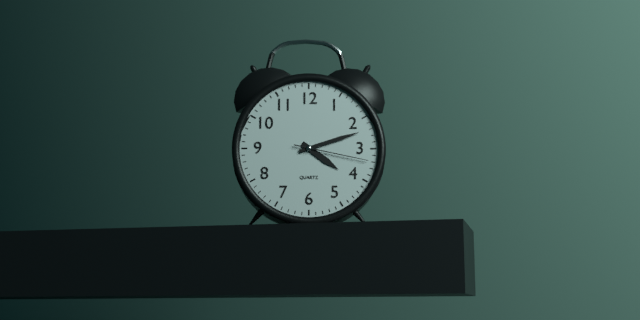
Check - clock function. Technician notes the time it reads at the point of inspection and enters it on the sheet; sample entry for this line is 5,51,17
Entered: 4,12,17
